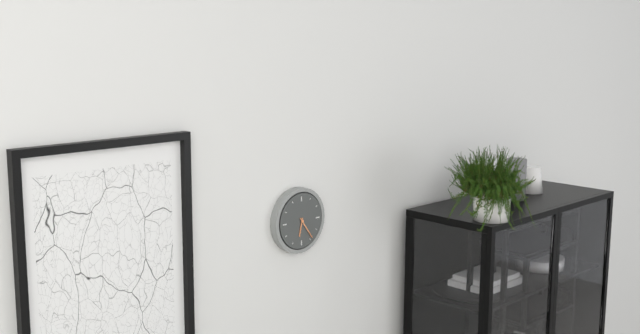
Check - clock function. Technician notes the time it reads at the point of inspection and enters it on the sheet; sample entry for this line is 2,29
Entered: 6,24
